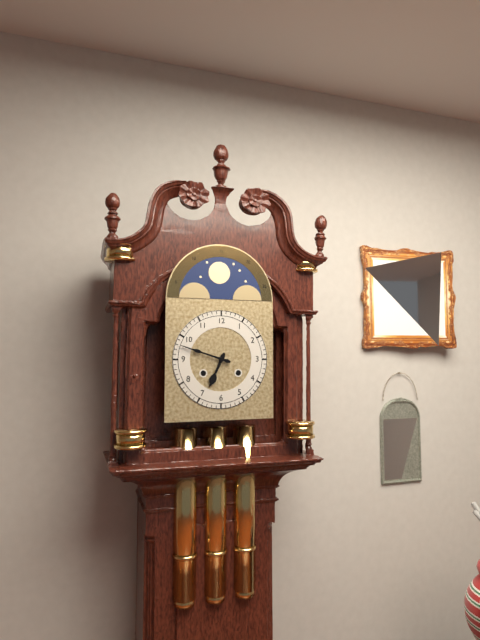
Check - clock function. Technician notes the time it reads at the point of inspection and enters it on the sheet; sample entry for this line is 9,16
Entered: 6,48
